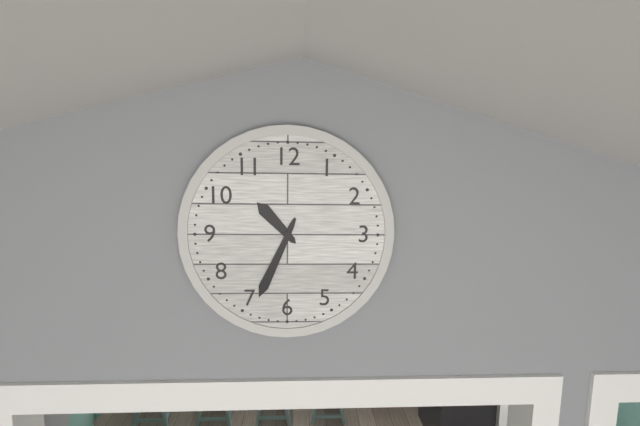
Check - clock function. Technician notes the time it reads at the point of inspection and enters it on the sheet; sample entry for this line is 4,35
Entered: 10,34
